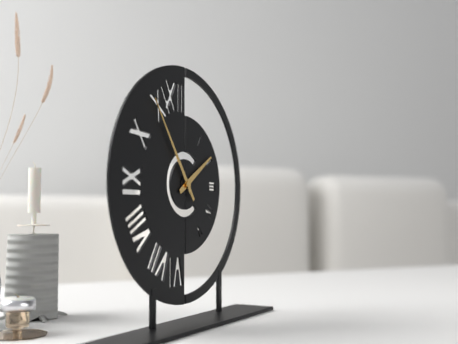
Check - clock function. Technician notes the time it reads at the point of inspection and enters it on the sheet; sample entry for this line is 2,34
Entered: 1,54
